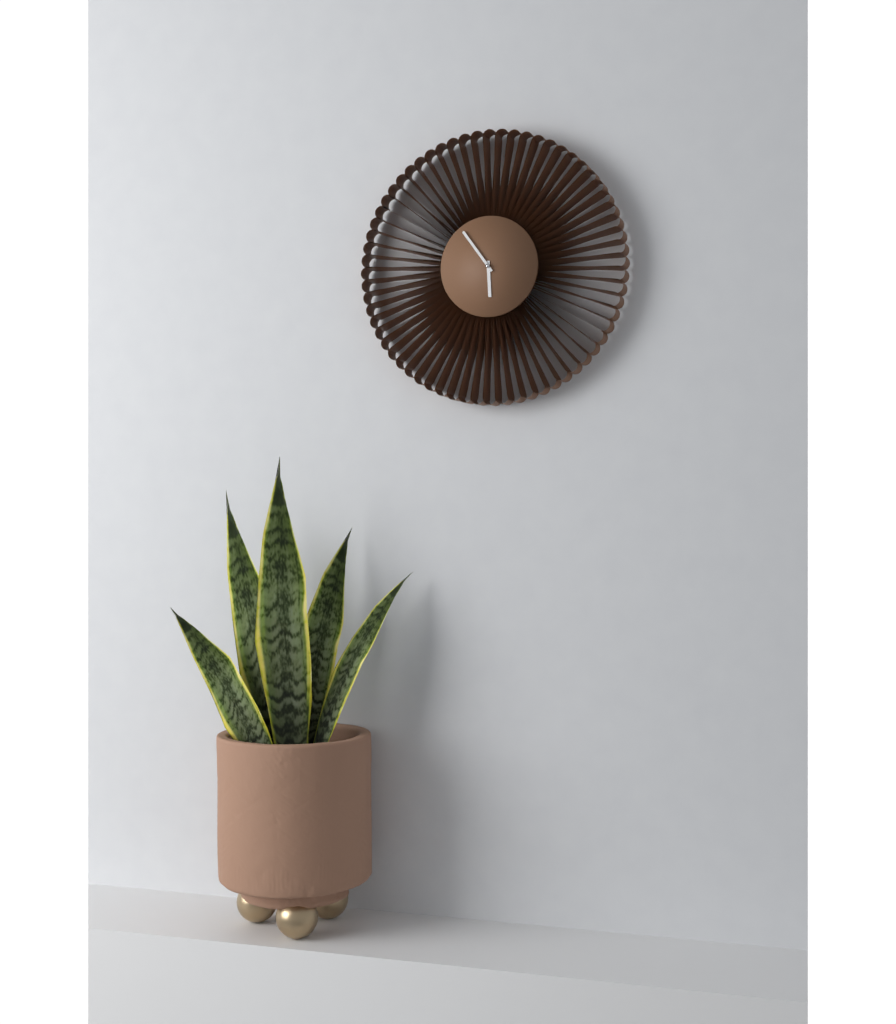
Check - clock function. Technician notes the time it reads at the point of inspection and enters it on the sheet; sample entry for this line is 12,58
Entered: 5,54
